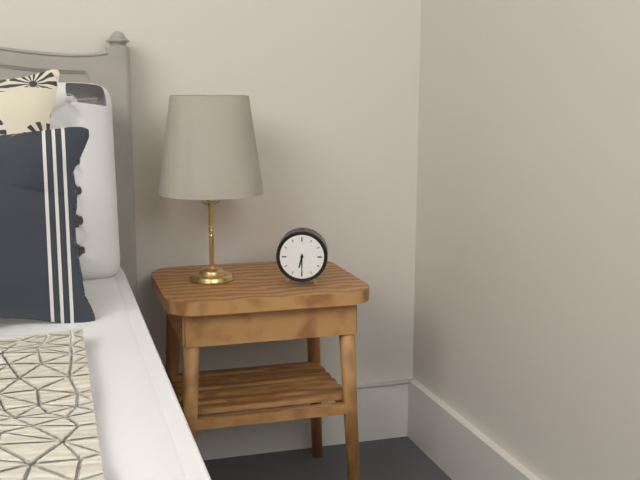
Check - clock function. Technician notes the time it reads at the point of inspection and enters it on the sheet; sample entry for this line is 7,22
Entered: 6,30
